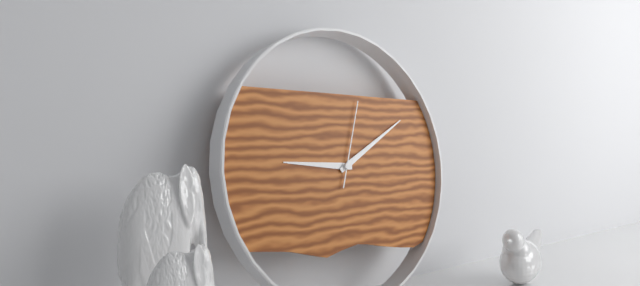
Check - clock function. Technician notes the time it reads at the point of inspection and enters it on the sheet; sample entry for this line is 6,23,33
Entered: 9,10,03
